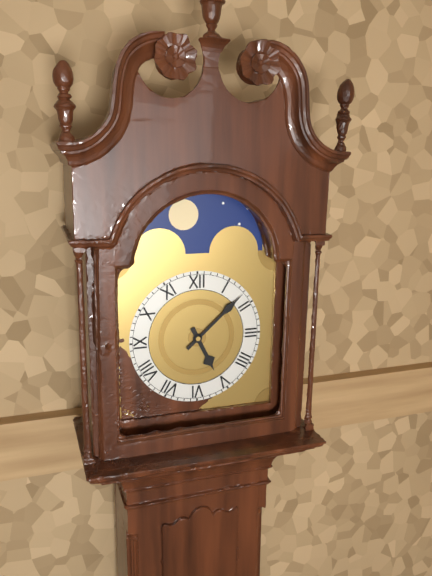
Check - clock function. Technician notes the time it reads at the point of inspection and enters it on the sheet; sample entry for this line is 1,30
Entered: 5,08
